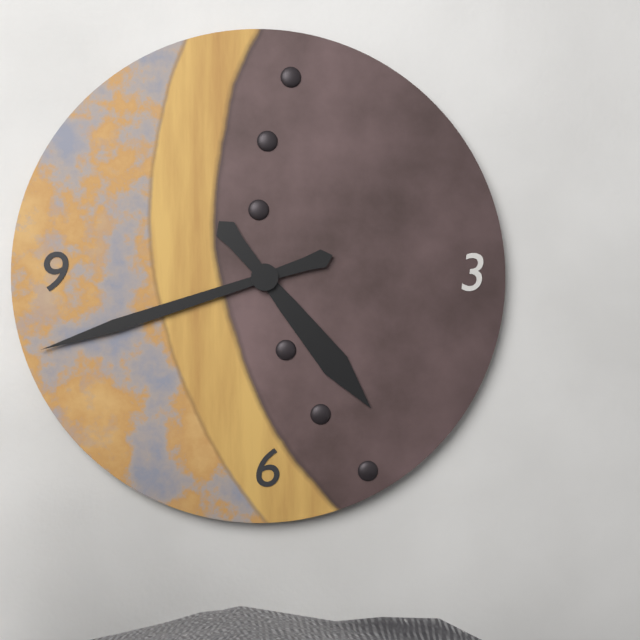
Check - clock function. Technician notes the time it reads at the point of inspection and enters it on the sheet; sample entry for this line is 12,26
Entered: 4,42
